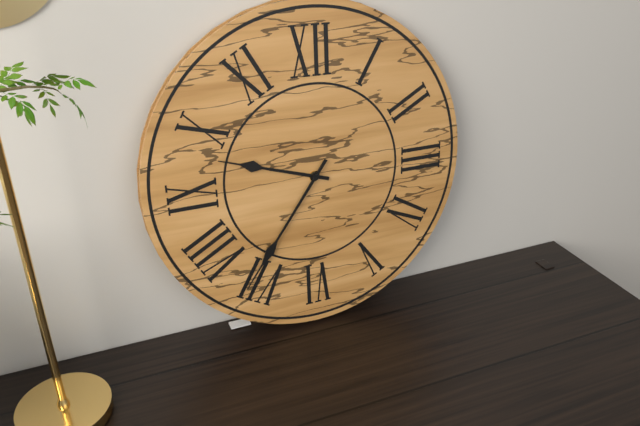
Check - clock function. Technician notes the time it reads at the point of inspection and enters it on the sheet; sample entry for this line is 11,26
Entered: 9,36
